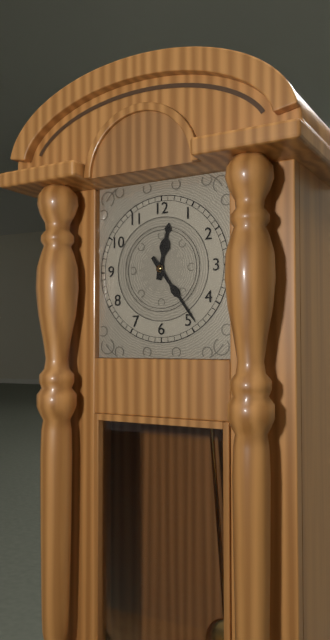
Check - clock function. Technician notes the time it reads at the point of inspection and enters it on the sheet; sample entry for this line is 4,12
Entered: 12,24
